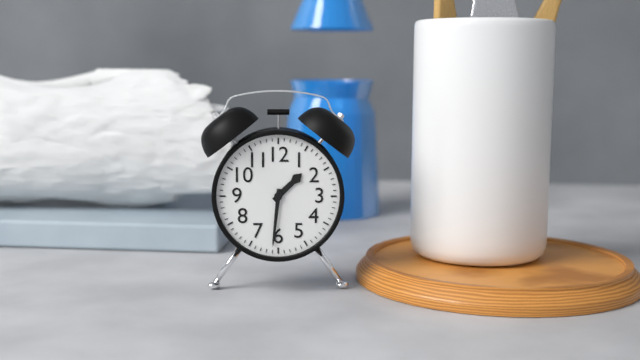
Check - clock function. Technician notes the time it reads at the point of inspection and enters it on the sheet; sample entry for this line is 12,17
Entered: 1,31
